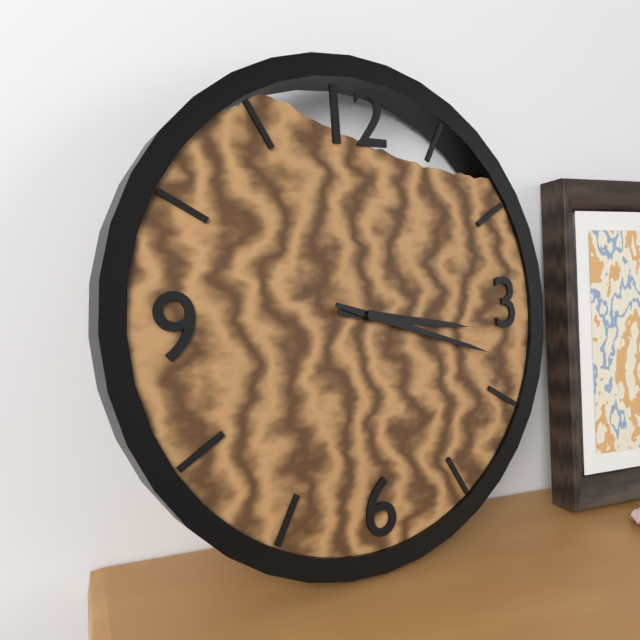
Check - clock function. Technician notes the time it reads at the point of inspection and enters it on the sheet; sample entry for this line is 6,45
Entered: 3,18
